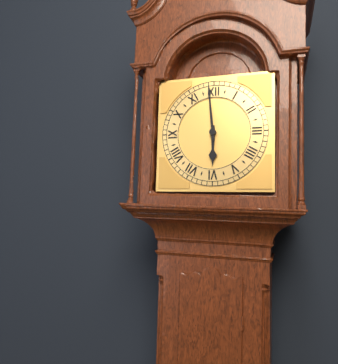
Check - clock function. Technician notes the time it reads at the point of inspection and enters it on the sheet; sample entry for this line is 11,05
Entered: 5,59
